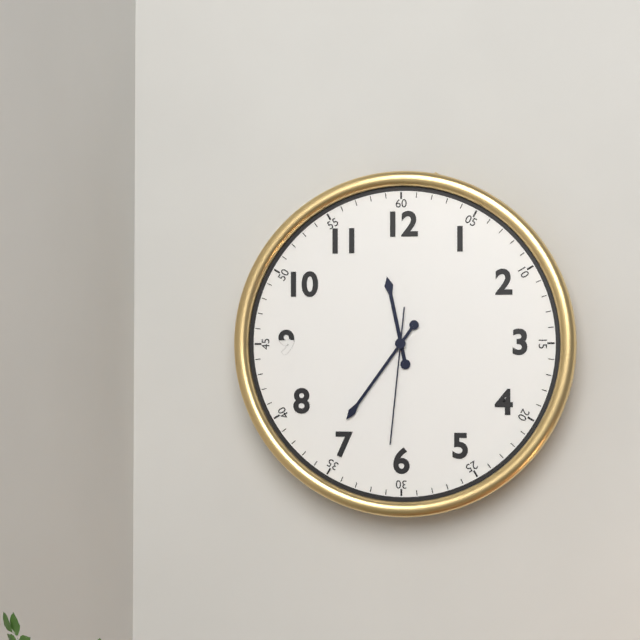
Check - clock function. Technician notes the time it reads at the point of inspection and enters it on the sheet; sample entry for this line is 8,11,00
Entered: 11,36,31
